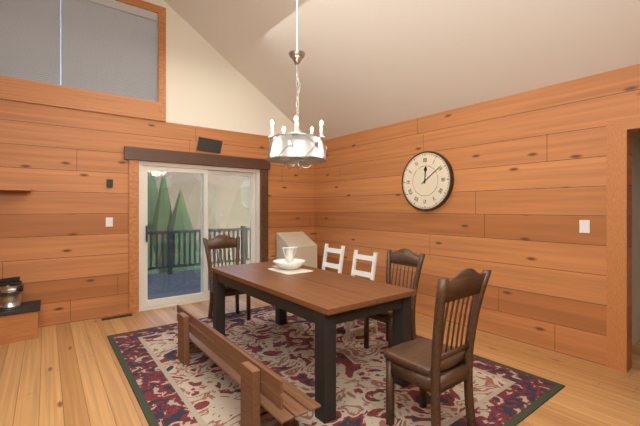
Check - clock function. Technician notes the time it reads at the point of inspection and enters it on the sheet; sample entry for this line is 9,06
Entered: 12,09
